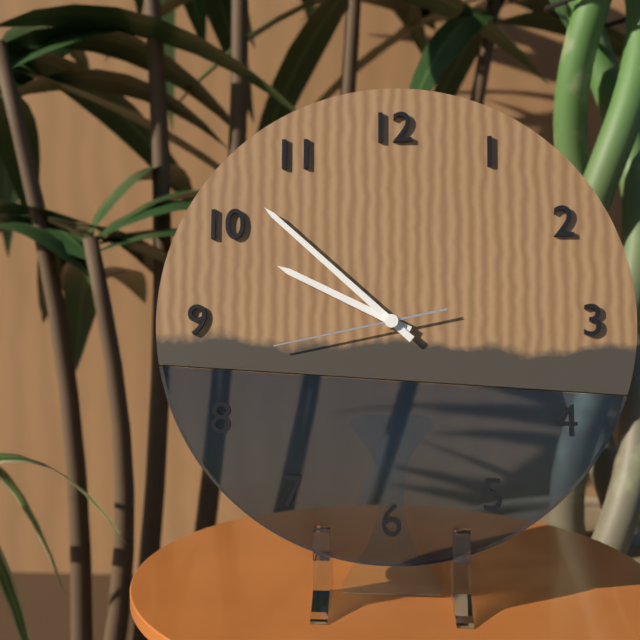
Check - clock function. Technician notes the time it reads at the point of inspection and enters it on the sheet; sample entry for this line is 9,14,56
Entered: 9,52,43
